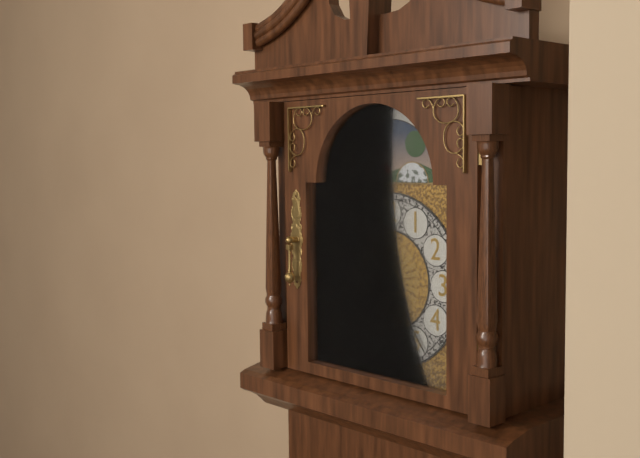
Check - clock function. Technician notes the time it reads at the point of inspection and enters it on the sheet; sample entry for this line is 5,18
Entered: 7,24
